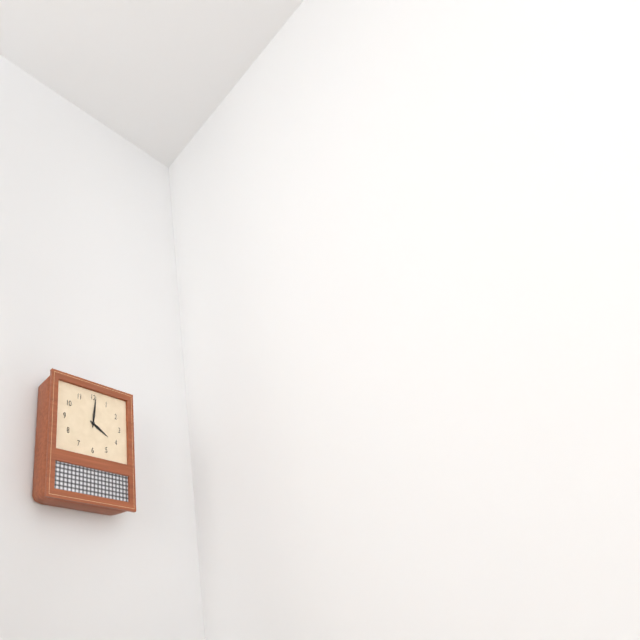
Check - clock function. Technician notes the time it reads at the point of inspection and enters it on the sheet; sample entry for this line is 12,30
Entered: 4,01
